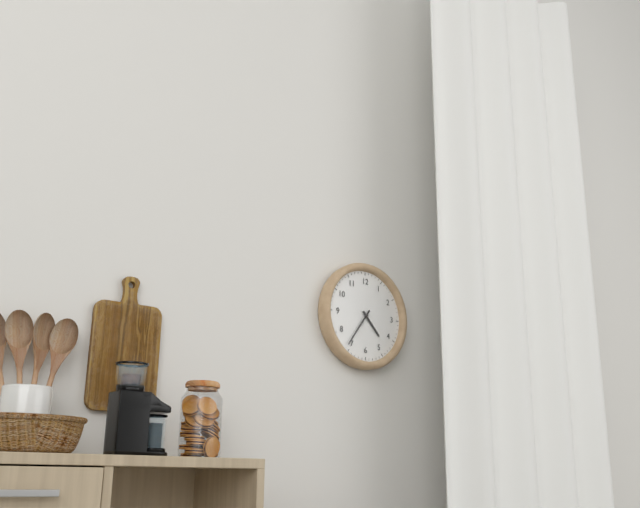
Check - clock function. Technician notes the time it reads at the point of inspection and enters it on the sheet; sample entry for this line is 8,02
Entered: 4,36
